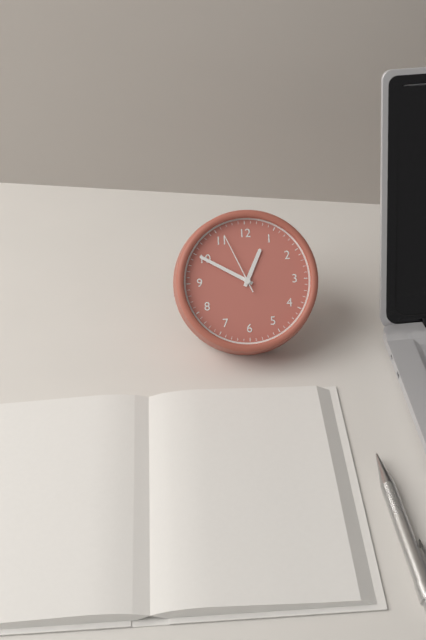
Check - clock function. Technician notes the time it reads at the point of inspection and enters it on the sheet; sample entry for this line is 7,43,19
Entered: 12,50,56
